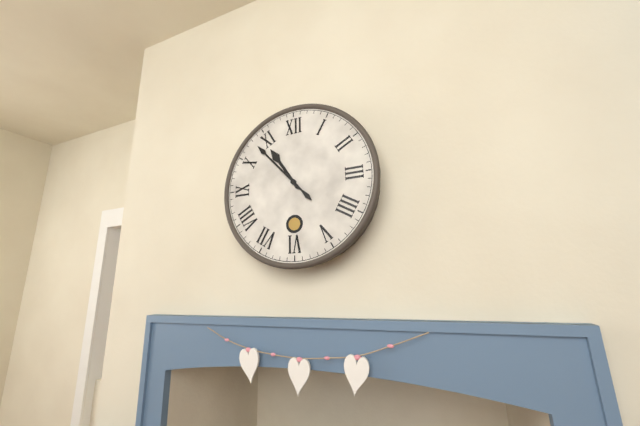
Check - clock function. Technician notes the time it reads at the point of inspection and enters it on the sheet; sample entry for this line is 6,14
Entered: 10,53
